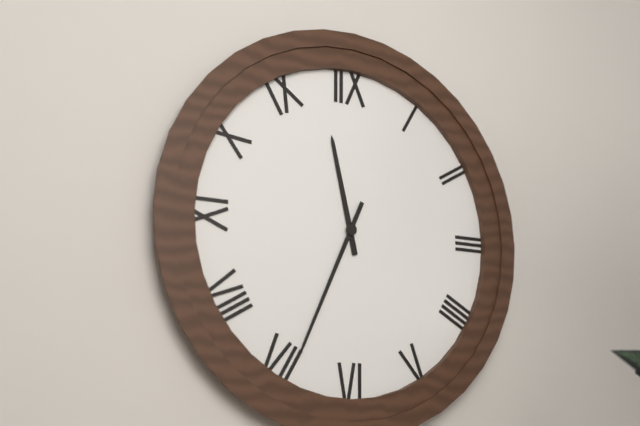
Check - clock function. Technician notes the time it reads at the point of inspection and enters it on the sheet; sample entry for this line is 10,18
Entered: 11,34
